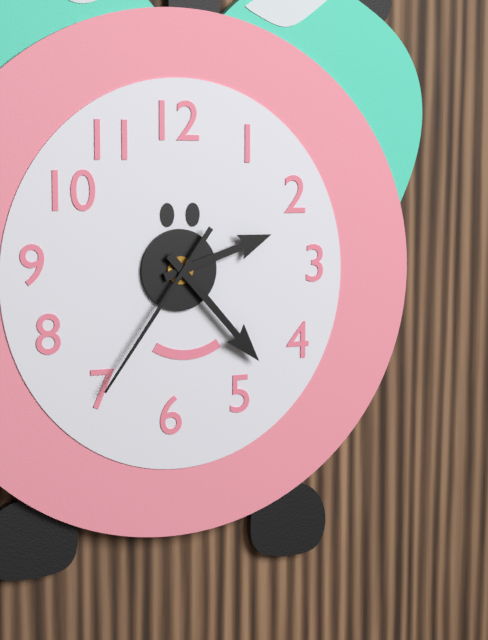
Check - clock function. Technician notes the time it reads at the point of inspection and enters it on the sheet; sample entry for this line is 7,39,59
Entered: 2,23,36
